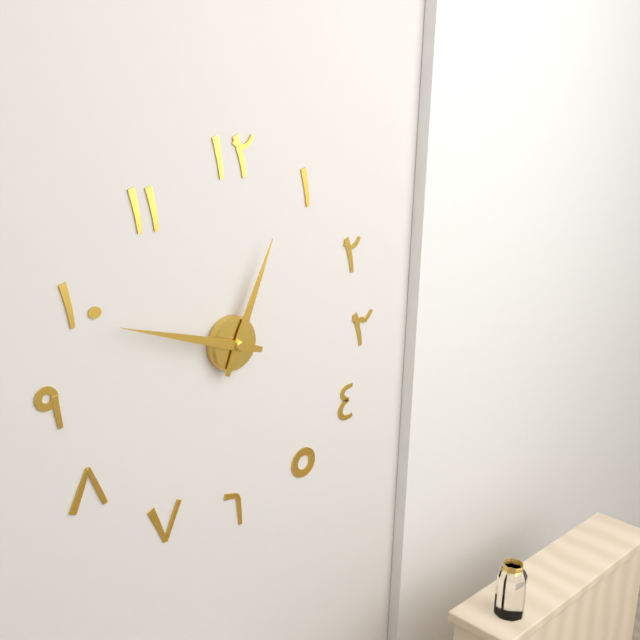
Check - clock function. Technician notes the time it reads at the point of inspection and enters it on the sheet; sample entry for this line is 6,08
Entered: 12,48
